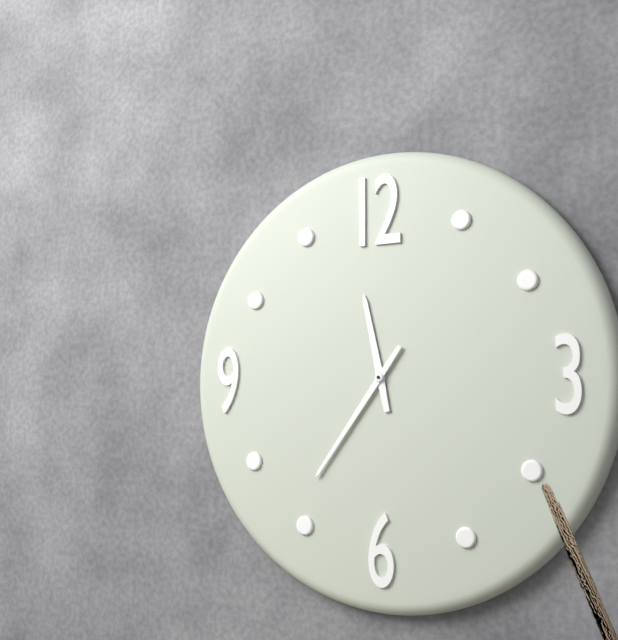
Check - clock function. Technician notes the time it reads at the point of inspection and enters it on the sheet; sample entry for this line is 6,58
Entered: 11,36
